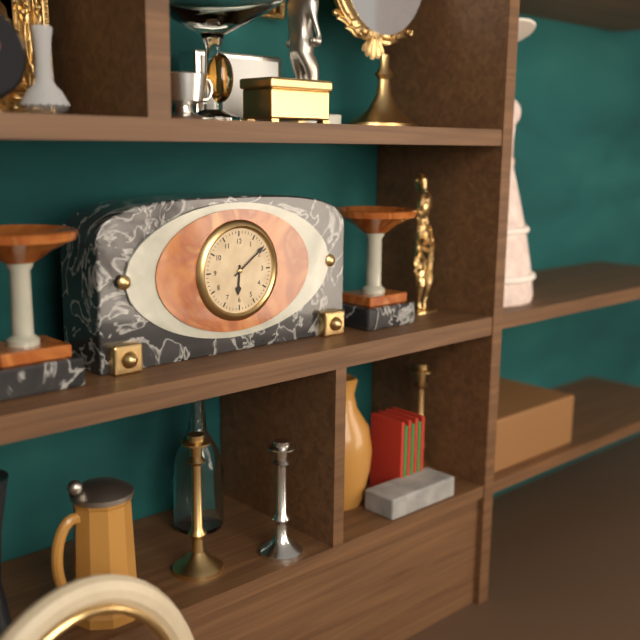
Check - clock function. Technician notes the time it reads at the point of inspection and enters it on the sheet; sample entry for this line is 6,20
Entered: 6,09
